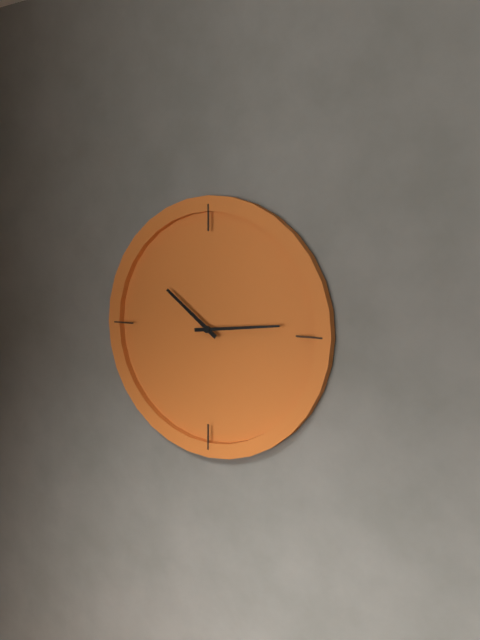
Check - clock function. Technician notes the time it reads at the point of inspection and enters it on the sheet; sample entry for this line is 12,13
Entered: 10,14
